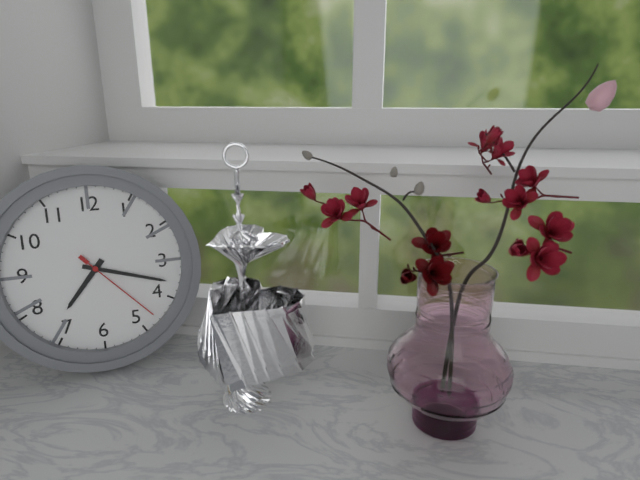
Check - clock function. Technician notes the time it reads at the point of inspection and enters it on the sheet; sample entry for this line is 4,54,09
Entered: 7,18,23
